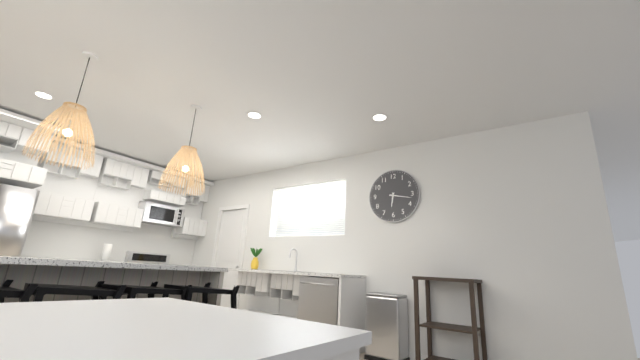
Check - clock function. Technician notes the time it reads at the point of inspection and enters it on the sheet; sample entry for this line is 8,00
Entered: 6,17
